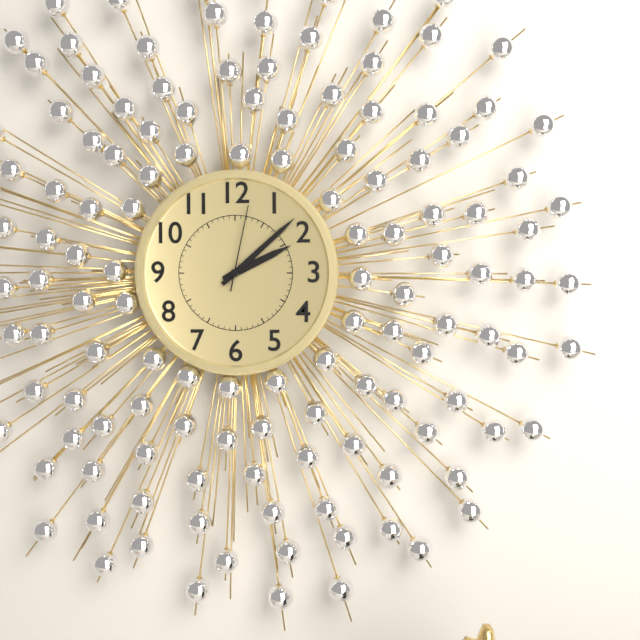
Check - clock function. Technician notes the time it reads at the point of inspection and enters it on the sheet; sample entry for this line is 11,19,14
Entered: 2,08,02
